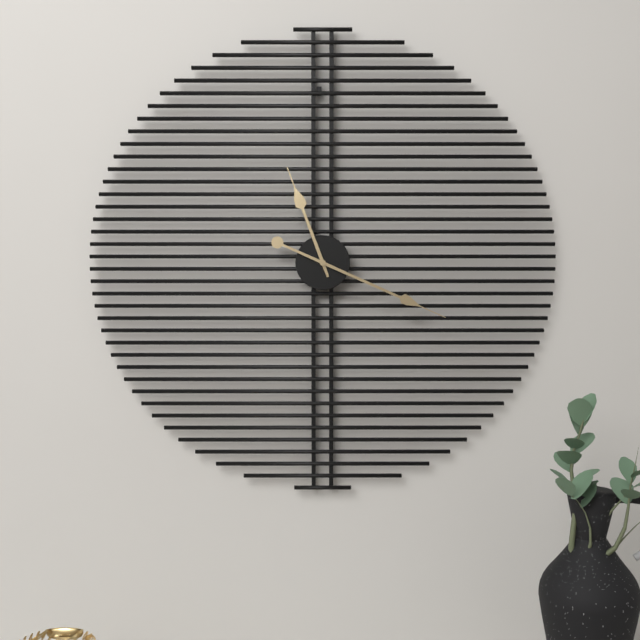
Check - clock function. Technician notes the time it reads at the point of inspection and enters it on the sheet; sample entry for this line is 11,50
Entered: 11,19
